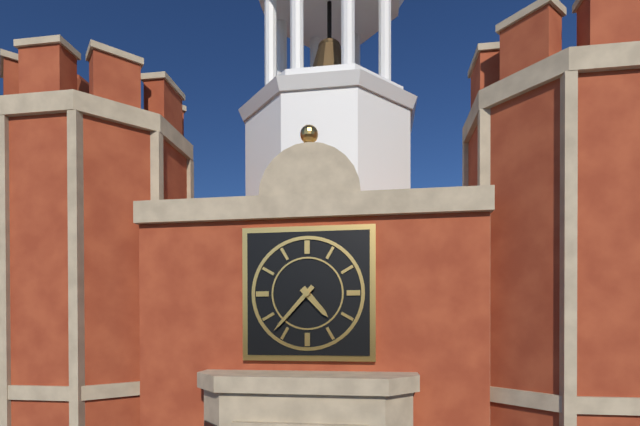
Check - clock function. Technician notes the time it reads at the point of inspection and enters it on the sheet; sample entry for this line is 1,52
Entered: 4,37
